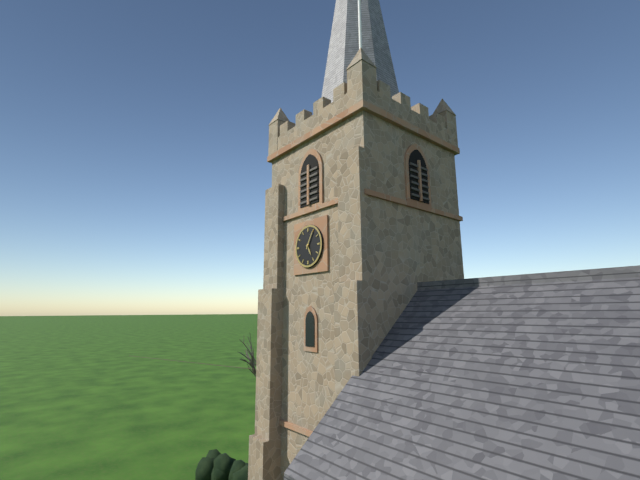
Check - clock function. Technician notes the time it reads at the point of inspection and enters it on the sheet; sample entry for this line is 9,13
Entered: 5,05
